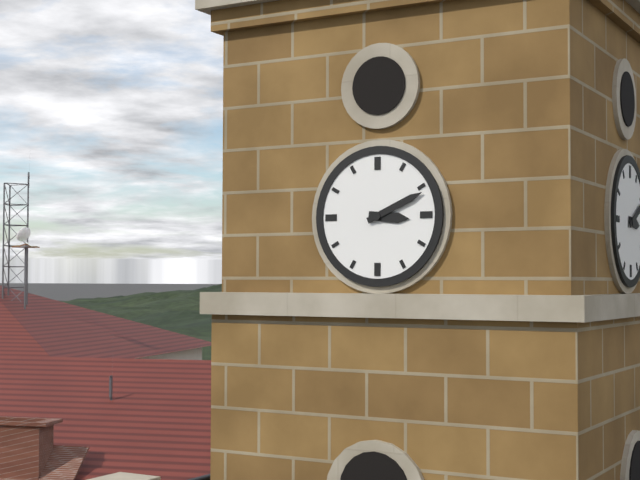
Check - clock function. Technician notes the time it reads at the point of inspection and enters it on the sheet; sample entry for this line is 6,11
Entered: 3,11
